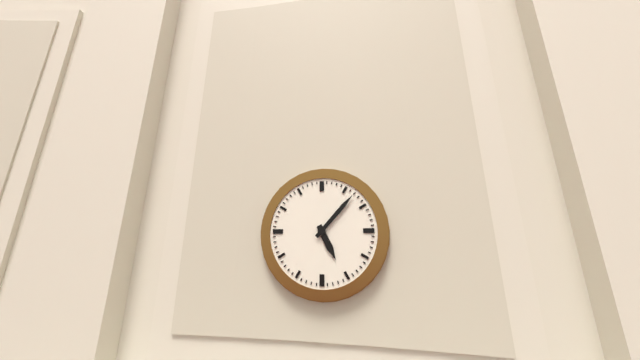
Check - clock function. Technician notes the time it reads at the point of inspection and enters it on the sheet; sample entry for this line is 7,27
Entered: 5,07
